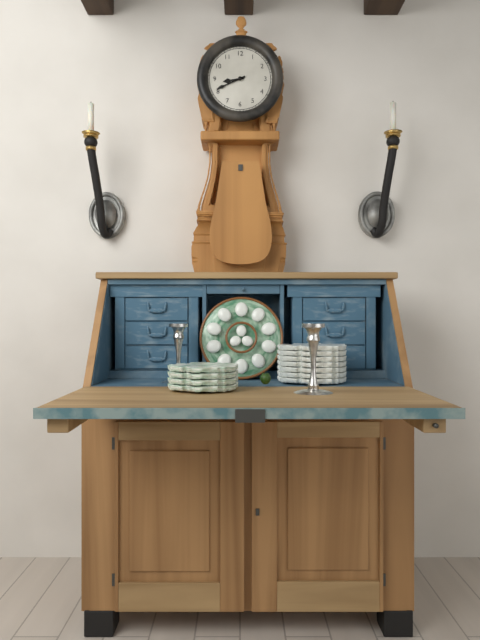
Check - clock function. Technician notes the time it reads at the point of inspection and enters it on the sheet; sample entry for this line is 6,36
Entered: 8,41
